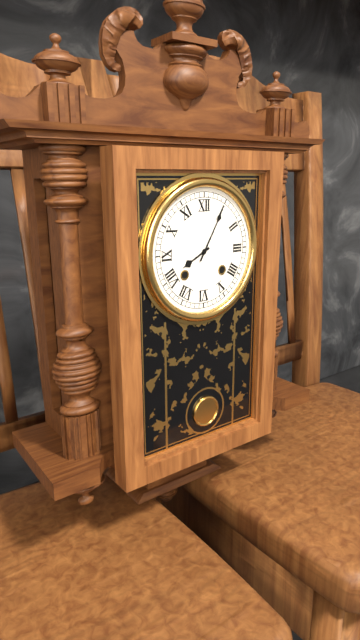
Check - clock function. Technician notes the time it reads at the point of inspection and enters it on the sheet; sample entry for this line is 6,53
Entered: 8,05
